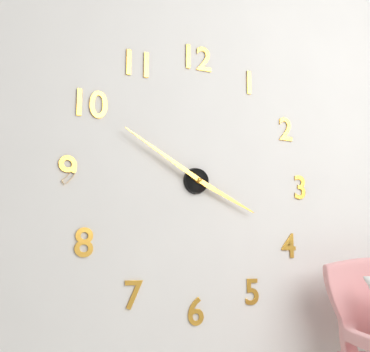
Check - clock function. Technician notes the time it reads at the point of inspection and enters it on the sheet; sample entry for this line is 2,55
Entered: 3,50
